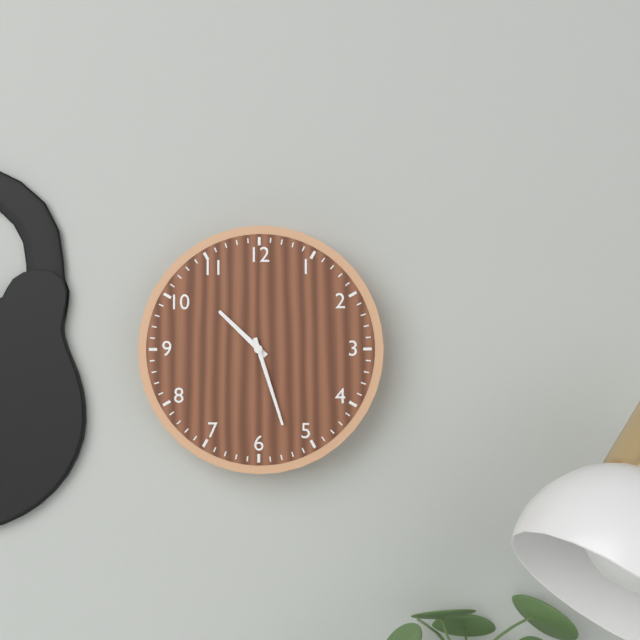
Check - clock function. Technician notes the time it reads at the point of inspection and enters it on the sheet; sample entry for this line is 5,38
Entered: 10,27
